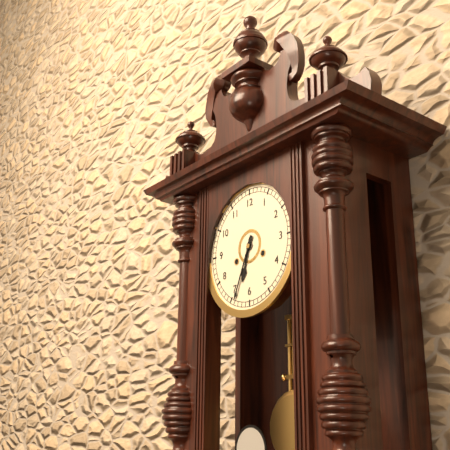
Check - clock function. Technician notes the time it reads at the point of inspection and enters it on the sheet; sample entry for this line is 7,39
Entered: 6,34
